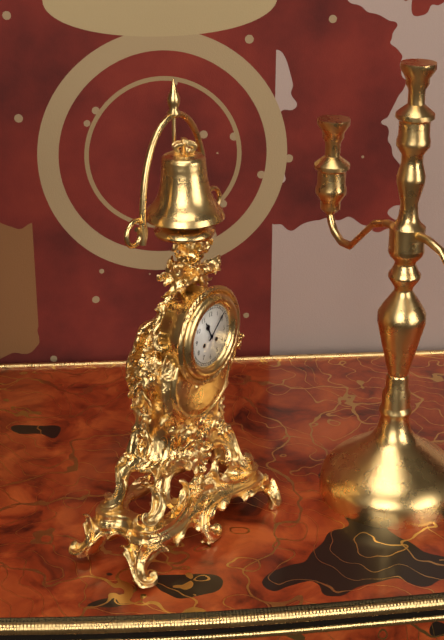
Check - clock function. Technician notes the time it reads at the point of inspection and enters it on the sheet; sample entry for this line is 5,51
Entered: 11,08
